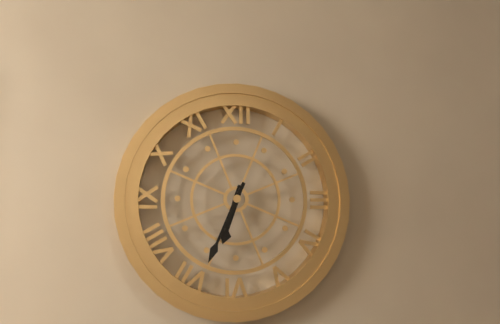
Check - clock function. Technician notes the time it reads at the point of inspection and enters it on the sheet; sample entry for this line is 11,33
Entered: 6,34
